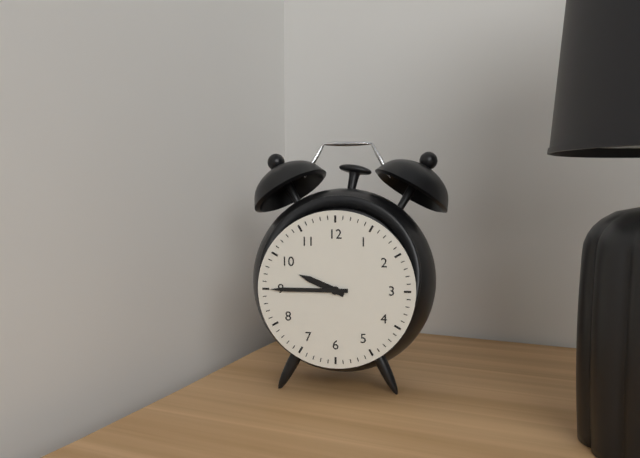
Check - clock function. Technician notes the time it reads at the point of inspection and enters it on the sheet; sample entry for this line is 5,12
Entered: 9,45
